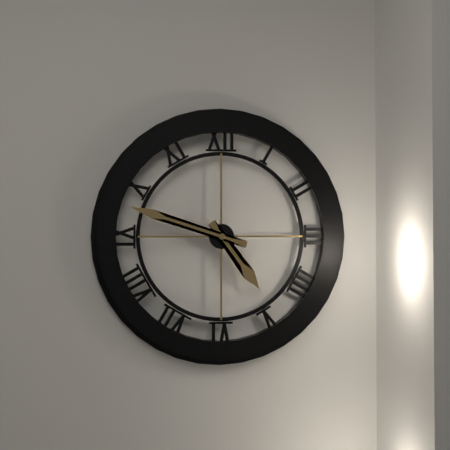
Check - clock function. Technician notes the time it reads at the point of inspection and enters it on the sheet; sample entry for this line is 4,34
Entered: 4,48
